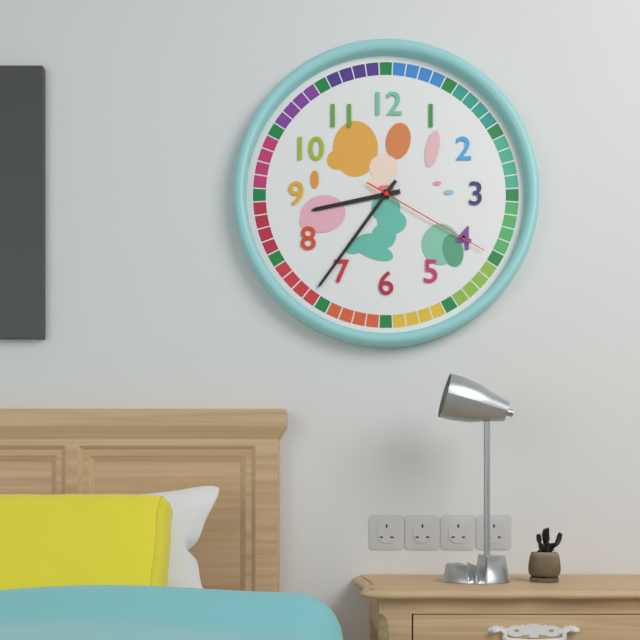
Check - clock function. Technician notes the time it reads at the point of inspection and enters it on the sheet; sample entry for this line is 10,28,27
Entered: 8,36,20
